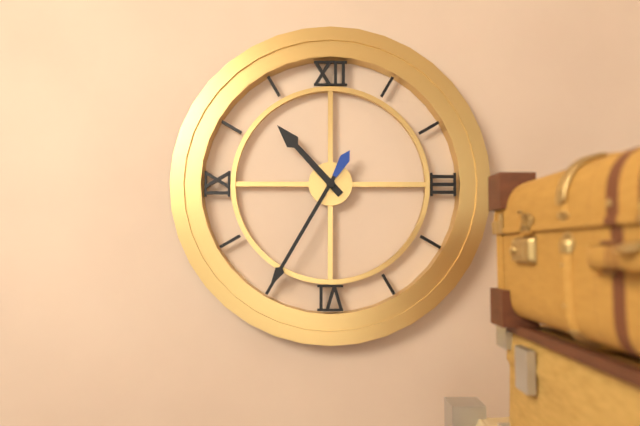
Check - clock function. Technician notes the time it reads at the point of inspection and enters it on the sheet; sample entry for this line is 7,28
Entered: 10,35
